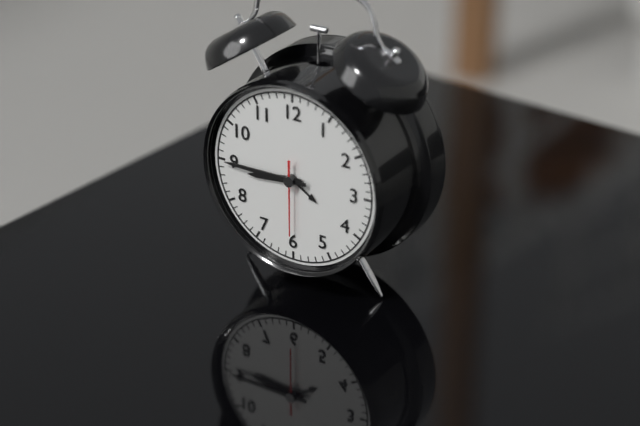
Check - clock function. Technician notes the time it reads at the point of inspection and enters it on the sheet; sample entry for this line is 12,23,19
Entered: 8,45,30
